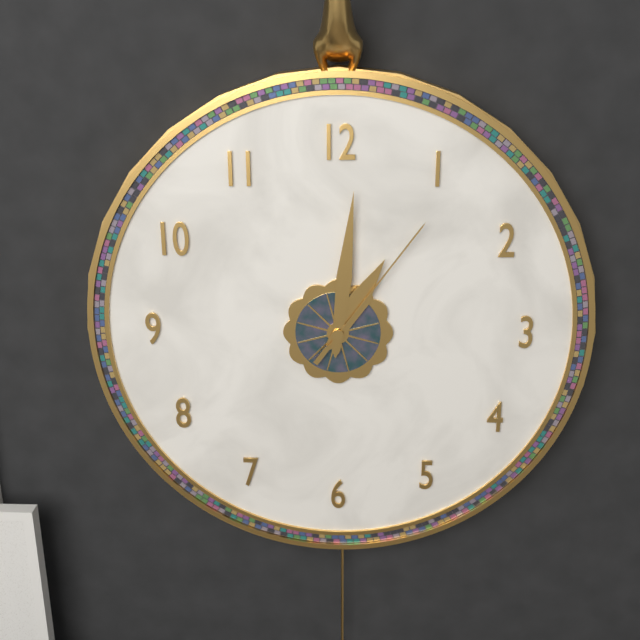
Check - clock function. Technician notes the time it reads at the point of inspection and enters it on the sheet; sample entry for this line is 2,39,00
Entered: 1,01,06
